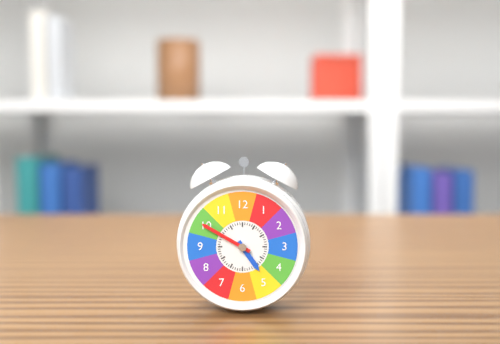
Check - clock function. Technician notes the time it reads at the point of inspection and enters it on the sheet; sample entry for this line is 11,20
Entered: 4,50
